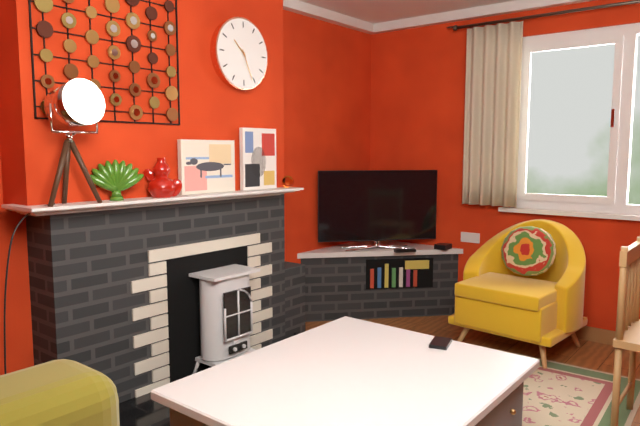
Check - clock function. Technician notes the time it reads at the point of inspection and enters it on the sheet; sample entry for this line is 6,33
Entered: 10,26
